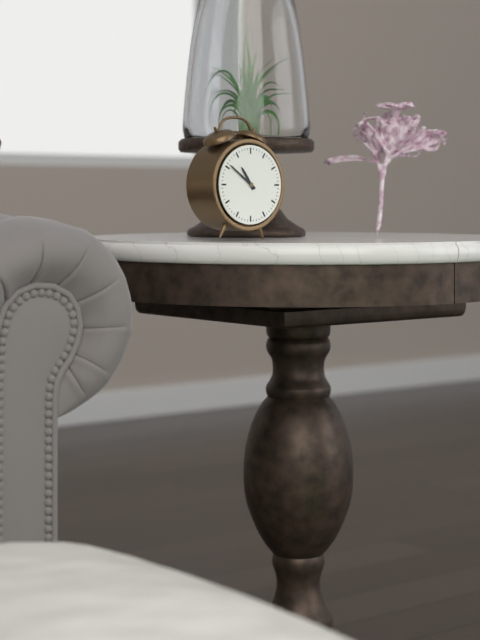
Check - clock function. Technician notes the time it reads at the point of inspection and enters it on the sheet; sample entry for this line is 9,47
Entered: 10,51
